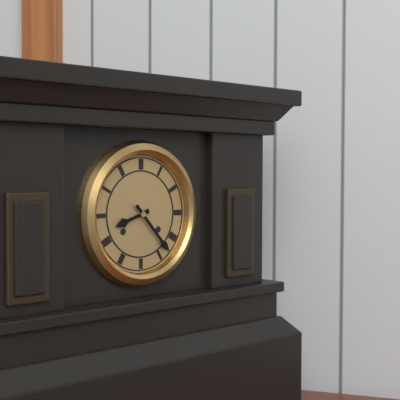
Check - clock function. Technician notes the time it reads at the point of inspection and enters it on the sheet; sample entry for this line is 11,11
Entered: 8,23
